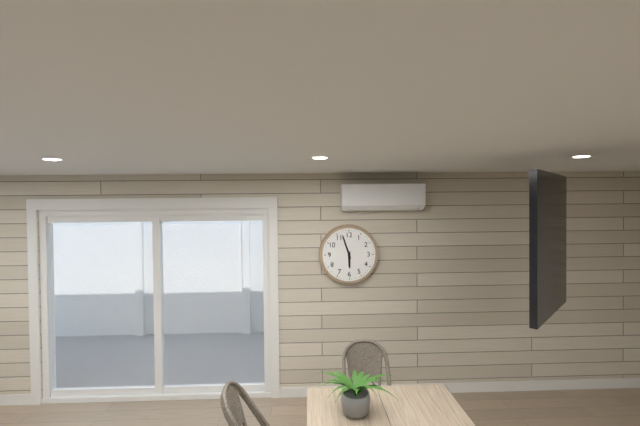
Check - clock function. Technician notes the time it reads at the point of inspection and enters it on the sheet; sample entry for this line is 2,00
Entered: 5,57
